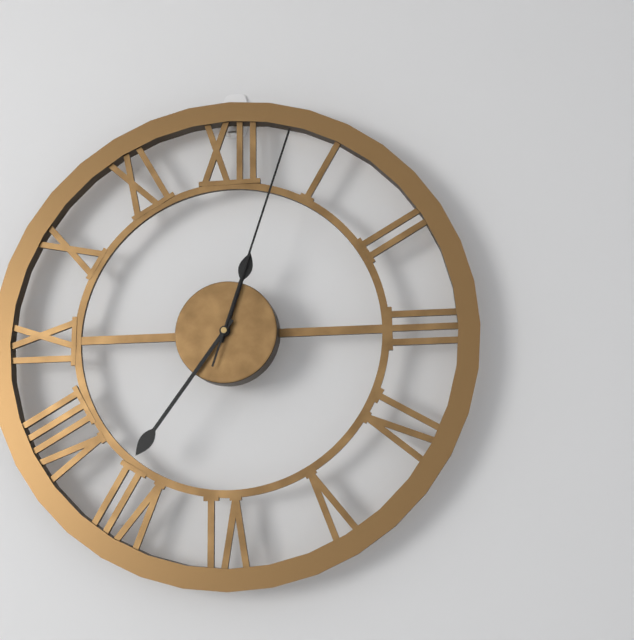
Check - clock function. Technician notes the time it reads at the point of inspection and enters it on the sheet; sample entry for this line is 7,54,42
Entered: 12,36,03
